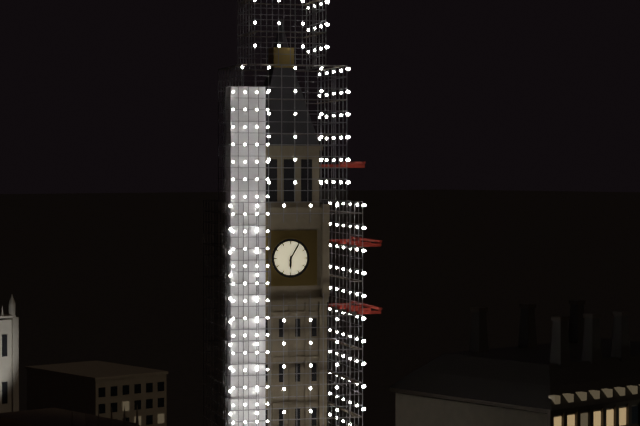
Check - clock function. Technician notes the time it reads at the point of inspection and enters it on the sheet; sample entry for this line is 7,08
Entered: 6,05
